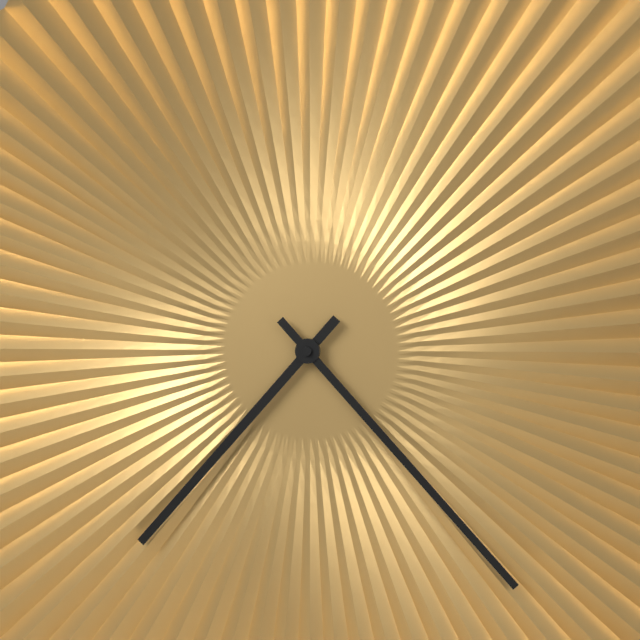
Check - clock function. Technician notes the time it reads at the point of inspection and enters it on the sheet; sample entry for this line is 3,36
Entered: 7,23
